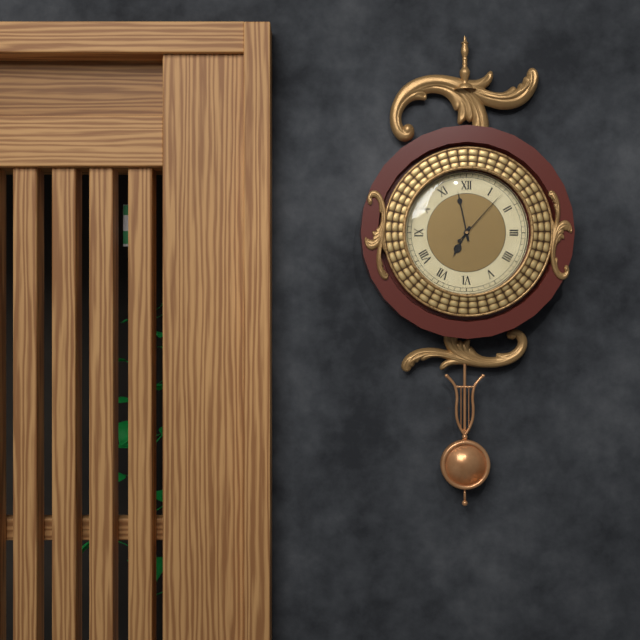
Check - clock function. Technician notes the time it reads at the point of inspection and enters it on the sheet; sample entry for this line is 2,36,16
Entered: 6,58,07
